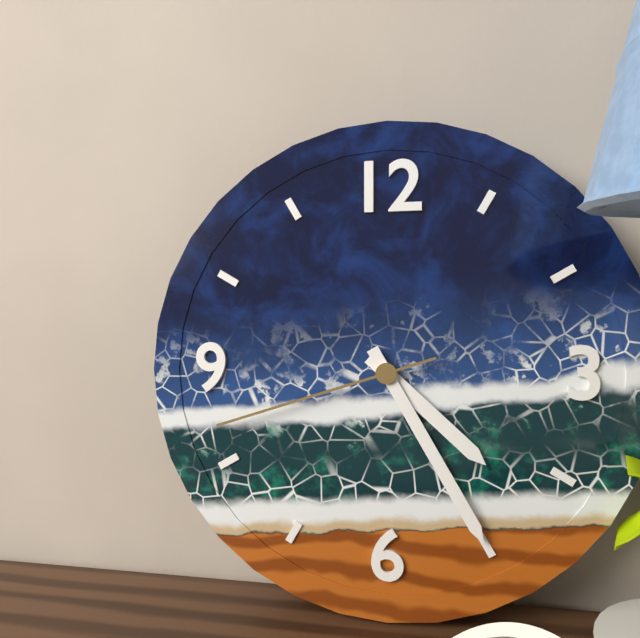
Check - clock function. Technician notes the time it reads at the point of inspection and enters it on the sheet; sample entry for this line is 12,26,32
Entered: 4,25,42
